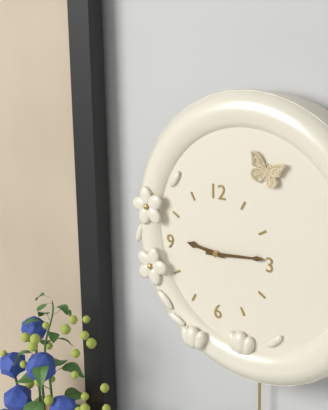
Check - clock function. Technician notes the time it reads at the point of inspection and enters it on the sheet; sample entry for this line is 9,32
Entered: 9,14
